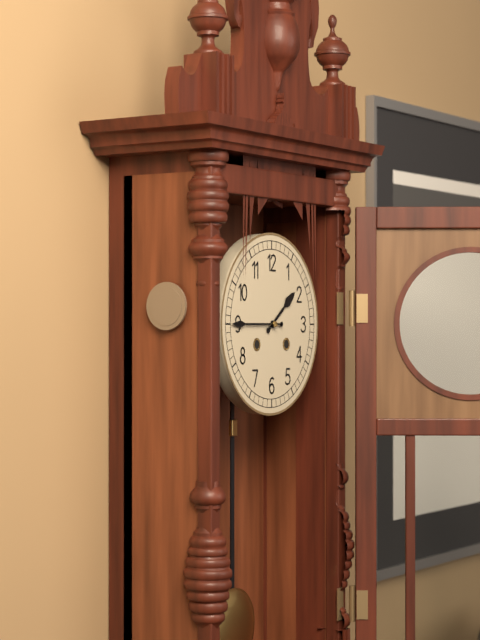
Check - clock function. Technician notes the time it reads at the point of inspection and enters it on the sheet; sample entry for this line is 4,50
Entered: 1,45
